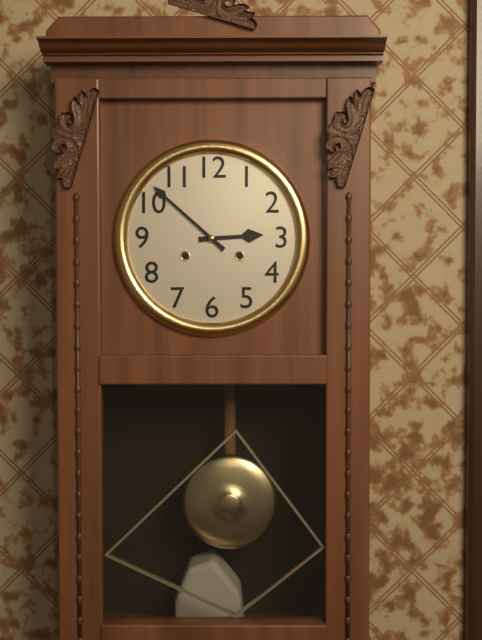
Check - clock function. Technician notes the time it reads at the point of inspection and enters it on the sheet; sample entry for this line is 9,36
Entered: 2,52
